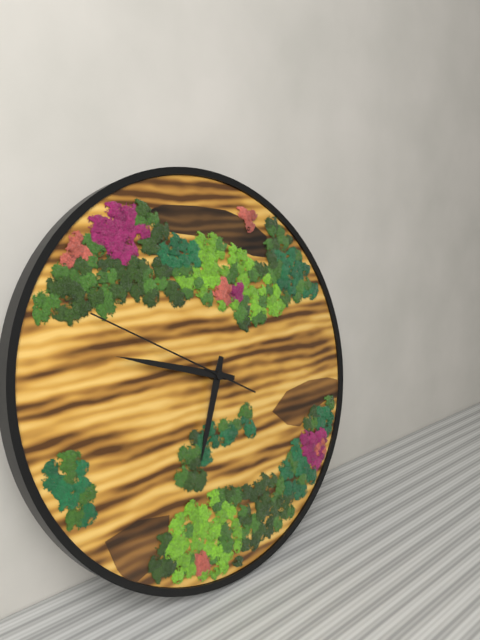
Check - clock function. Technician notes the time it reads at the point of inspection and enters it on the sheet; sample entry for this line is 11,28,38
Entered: 6,48,50
